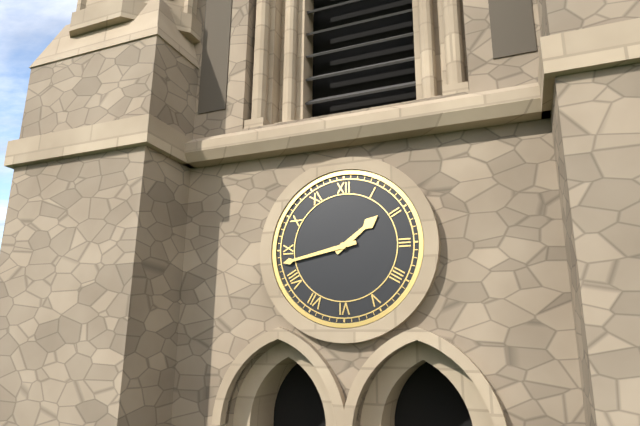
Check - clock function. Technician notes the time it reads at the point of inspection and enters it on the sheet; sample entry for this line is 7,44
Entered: 1,43
